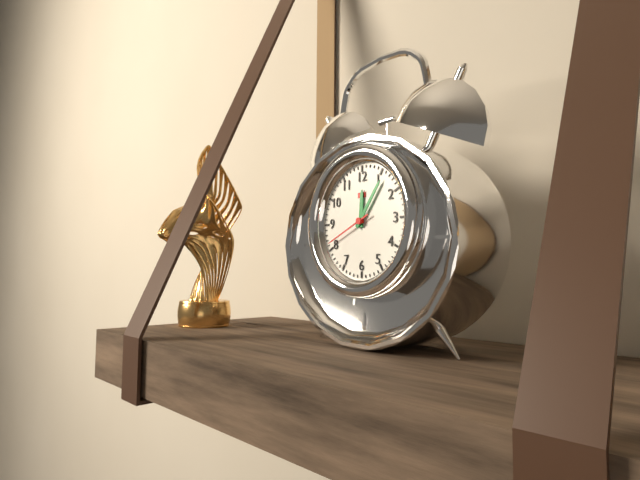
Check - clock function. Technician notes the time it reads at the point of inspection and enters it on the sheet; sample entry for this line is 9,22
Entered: 12,06
